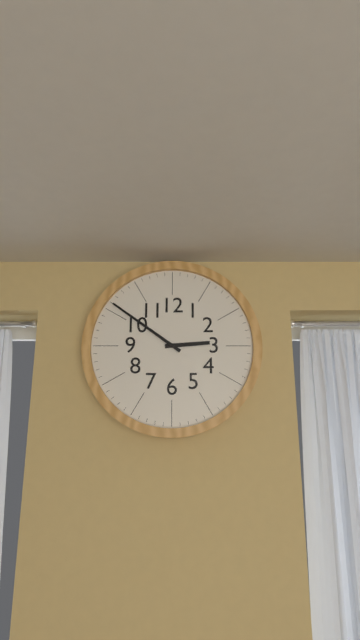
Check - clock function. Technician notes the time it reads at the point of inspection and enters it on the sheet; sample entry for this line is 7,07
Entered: 2,51
